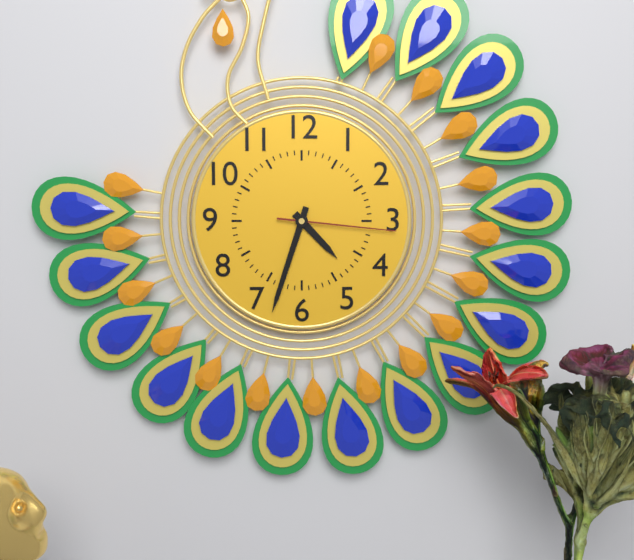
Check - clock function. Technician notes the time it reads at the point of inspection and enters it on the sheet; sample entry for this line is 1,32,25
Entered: 4,33,16
